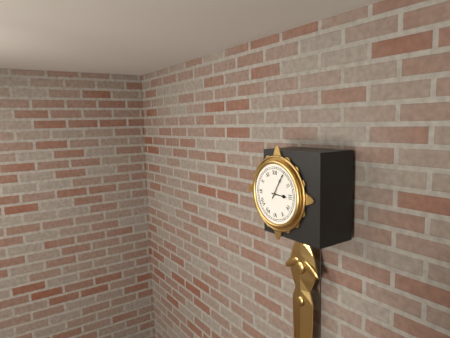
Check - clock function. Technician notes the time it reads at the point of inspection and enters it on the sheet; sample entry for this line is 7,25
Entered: 3,05
